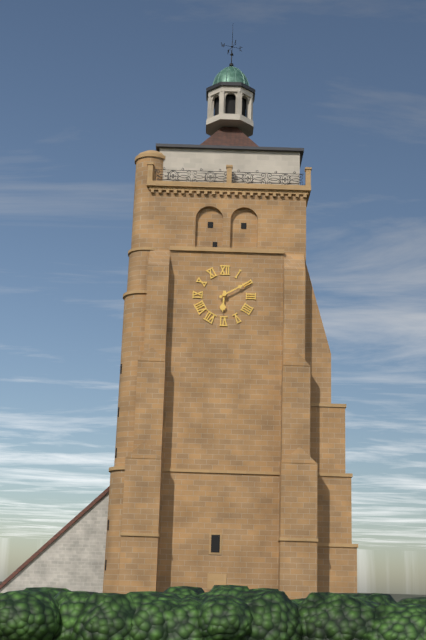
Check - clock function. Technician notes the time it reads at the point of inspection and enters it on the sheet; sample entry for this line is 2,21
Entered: 6,10
